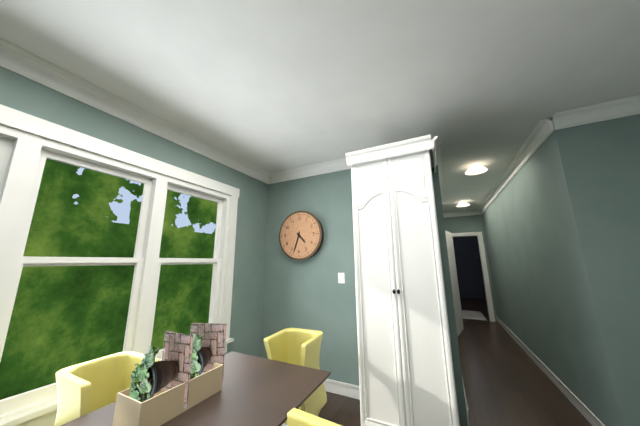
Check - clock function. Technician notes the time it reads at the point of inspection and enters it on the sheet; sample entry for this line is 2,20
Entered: 4,33
